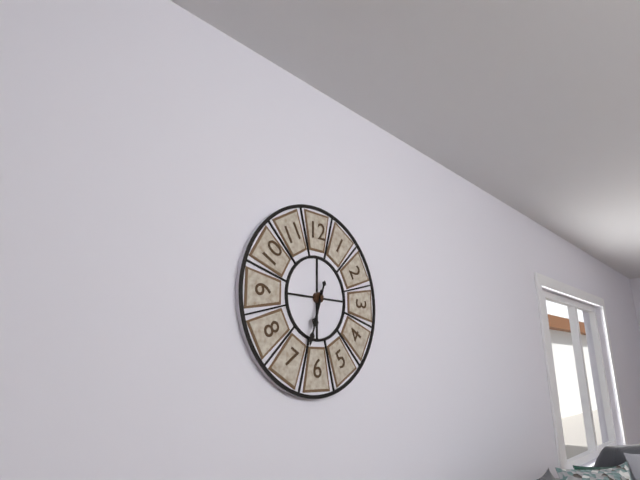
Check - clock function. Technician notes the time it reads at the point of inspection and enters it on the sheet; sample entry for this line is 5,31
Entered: 6,33
